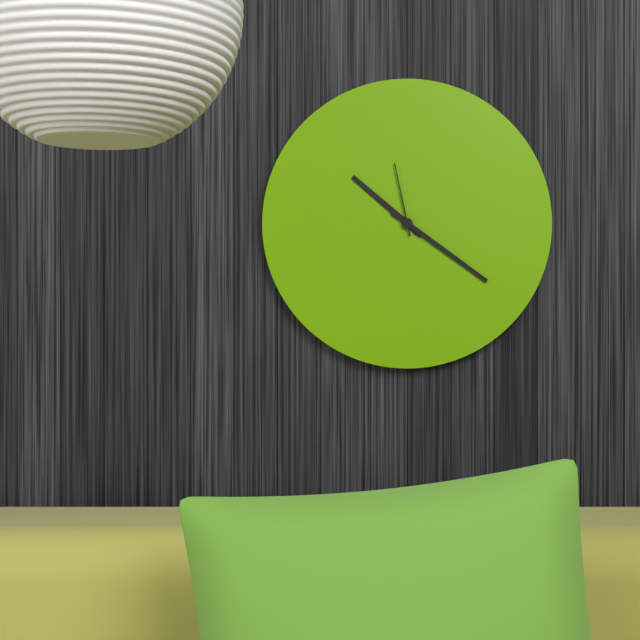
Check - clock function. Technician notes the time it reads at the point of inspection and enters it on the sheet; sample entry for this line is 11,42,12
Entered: 10,21,58
